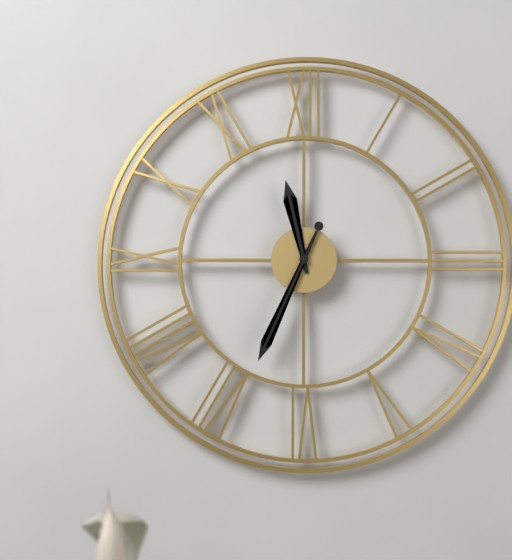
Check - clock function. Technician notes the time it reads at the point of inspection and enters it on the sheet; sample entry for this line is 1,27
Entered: 11,34
